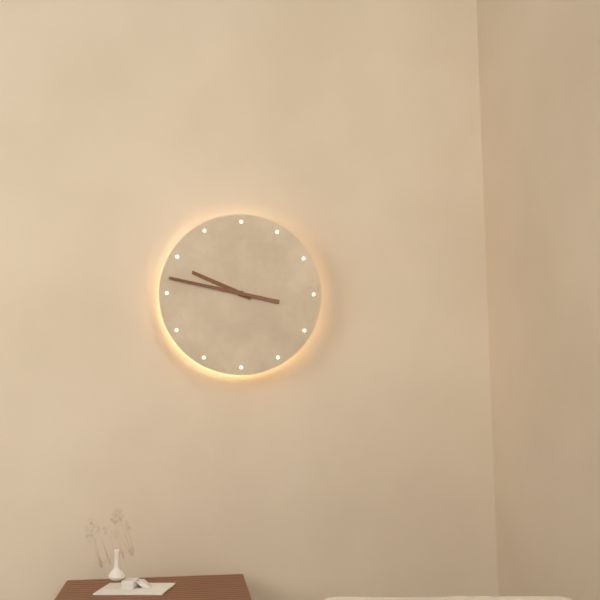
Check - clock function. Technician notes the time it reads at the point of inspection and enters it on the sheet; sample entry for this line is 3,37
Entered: 9,47
